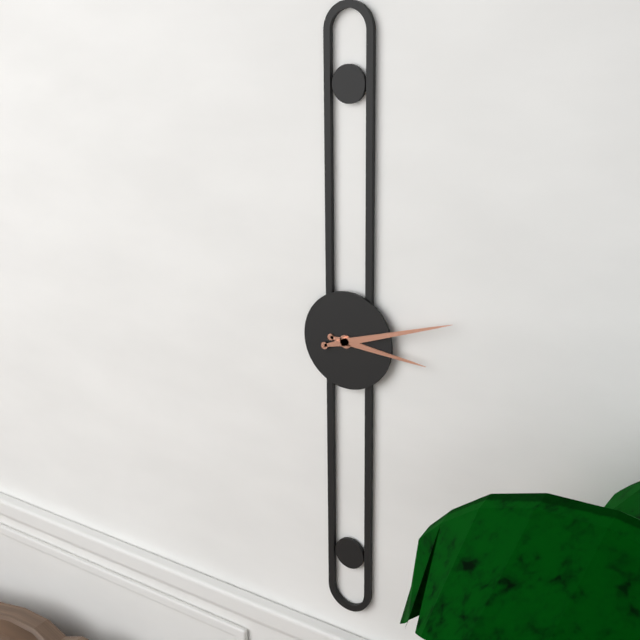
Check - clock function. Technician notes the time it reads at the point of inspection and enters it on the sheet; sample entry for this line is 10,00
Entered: 3,12
